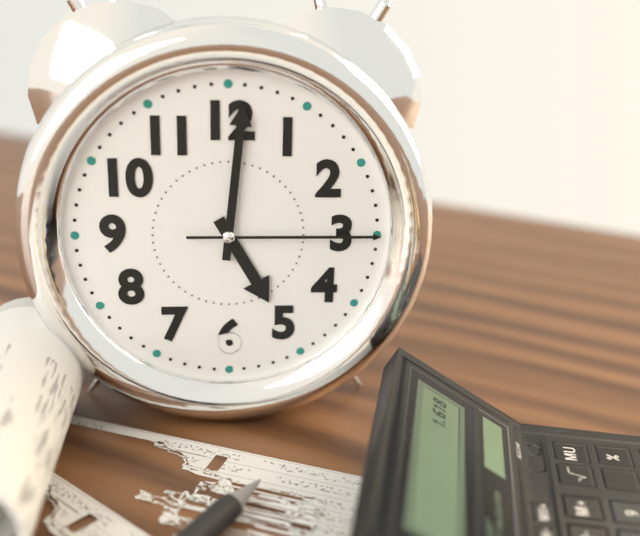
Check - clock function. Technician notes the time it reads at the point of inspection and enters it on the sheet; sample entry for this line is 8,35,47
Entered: 5,01,15
